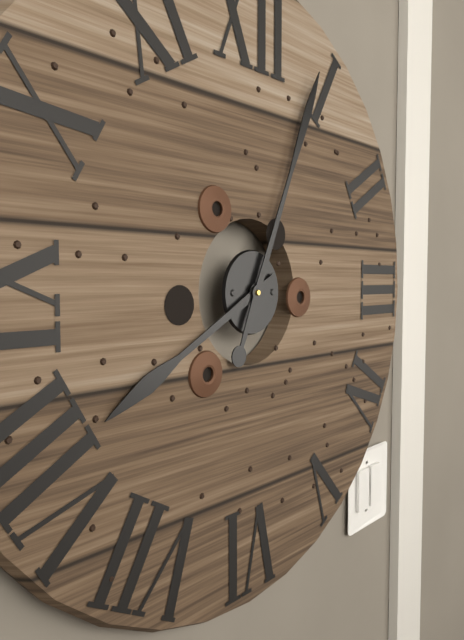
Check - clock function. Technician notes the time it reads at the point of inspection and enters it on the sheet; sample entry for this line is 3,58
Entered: 8,04
